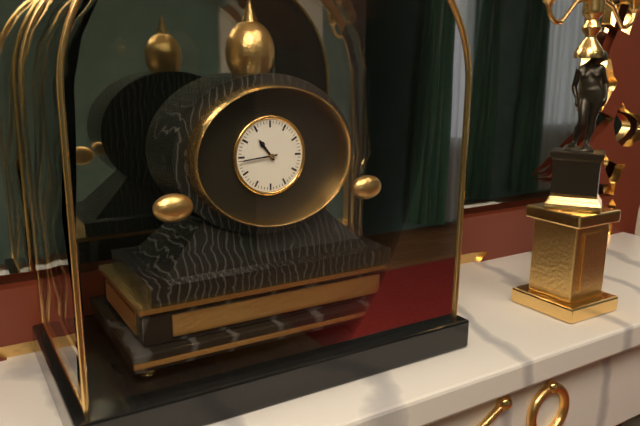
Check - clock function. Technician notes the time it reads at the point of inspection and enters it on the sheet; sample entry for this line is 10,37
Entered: 10,44
